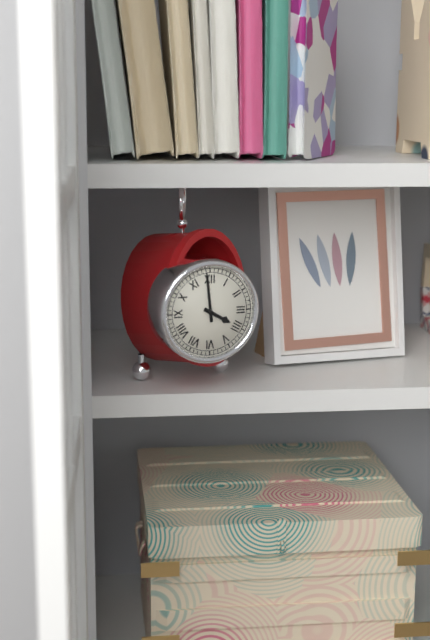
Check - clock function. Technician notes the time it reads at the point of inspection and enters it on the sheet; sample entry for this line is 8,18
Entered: 3,59
